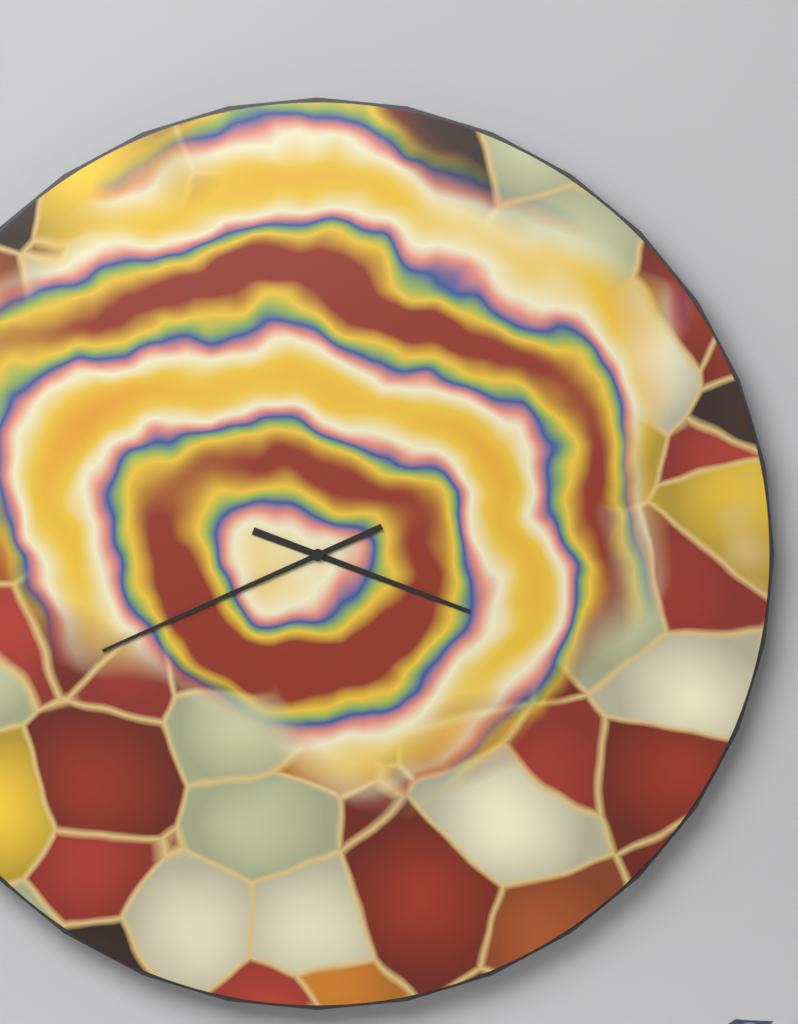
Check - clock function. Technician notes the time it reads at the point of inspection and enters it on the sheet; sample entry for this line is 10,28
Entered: 3,41
